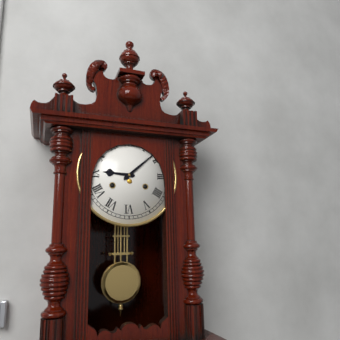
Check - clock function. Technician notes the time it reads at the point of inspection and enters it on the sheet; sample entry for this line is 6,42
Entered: 9,08
